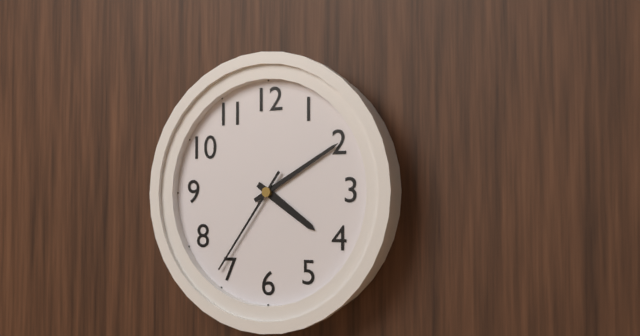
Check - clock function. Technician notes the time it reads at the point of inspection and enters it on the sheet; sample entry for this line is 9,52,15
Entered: 4,10,36
